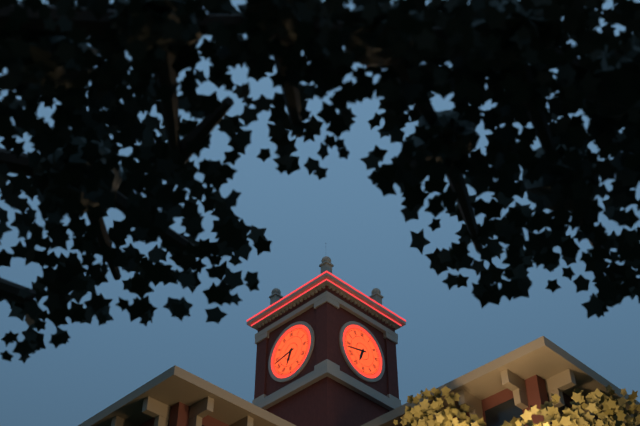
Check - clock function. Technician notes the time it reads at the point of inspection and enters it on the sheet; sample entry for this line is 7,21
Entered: 6,43
